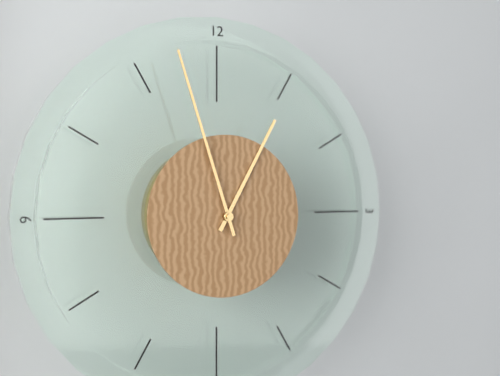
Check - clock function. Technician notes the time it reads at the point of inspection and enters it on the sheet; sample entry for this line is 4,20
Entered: 12,57
